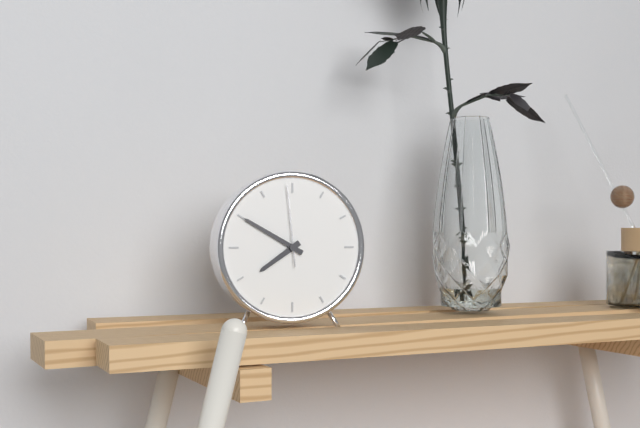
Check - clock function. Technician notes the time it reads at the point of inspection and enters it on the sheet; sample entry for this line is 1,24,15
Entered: 7,50,59
